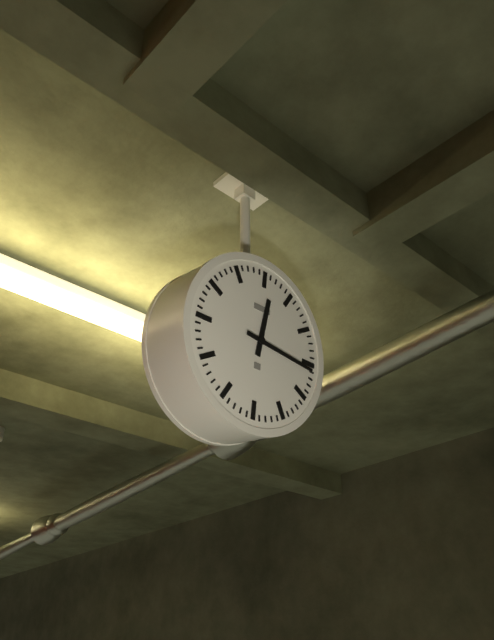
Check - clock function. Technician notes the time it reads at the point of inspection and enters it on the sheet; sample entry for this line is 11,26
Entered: 12,16
